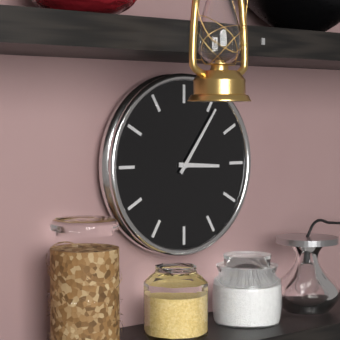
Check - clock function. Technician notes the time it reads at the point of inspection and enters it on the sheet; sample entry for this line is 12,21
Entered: 3,06
